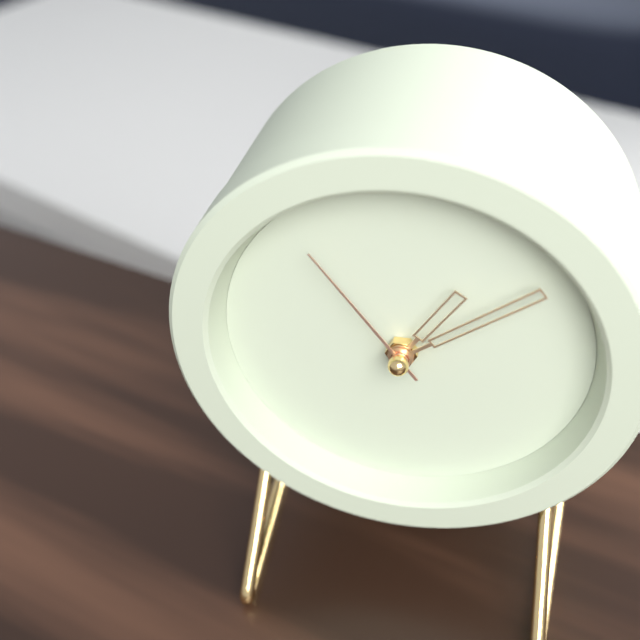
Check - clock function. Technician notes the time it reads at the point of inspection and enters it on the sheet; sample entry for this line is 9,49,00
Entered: 1,09,54
